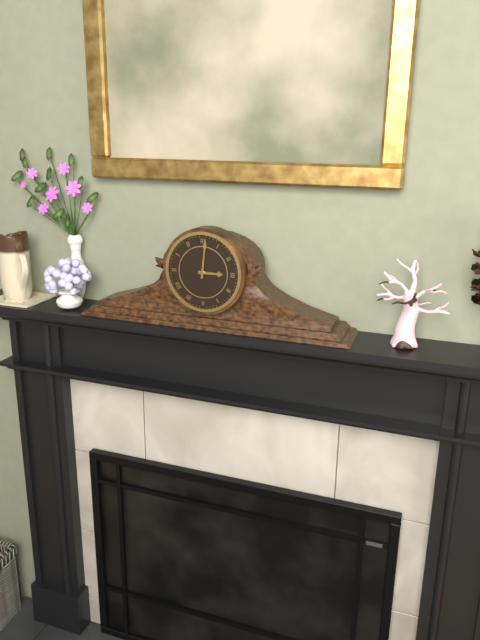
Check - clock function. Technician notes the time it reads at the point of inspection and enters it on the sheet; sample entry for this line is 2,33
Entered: 3,01
